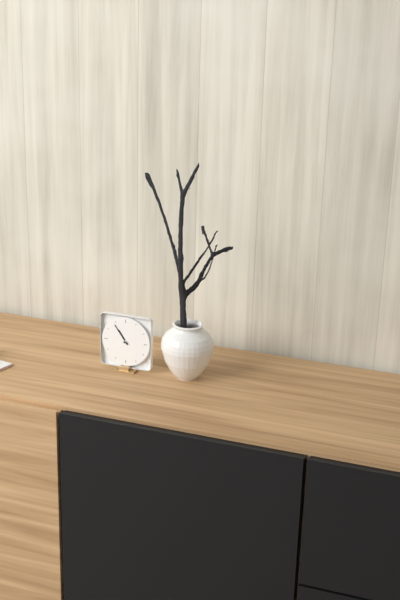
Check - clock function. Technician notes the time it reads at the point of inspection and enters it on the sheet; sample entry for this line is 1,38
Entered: 10,54
